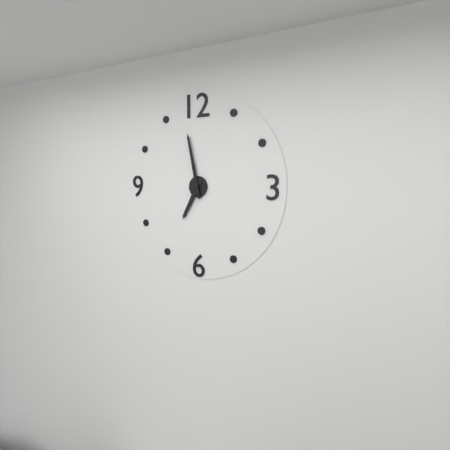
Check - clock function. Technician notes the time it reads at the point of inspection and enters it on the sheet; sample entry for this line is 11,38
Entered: 6,58
